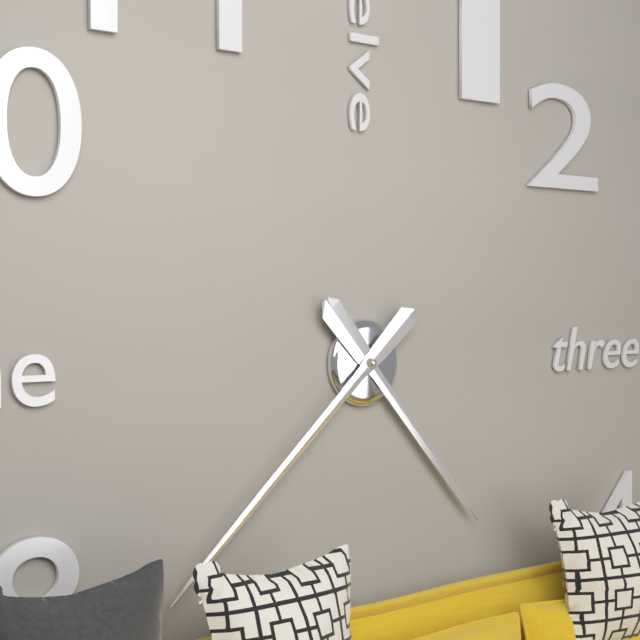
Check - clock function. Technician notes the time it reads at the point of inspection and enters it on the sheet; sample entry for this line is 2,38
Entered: 4,38
